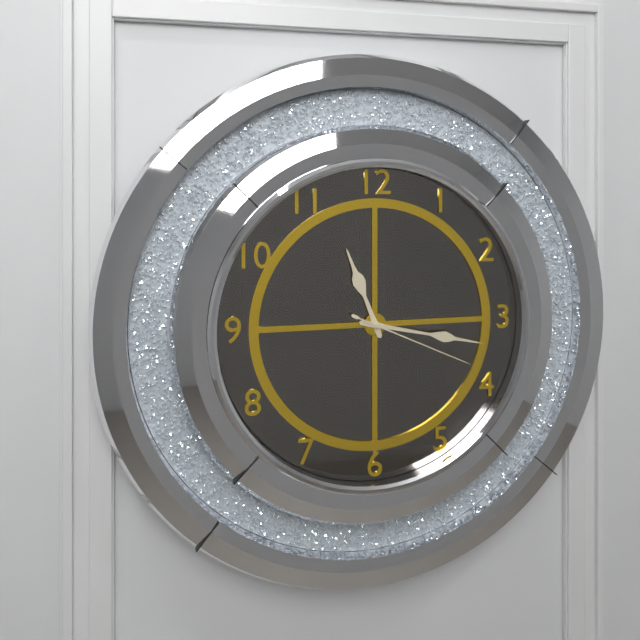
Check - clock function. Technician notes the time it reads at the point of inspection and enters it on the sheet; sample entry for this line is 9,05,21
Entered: 11,17,19
